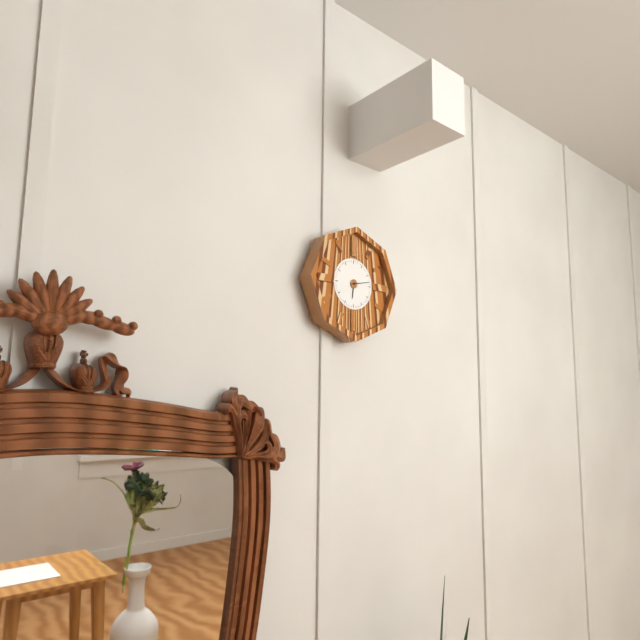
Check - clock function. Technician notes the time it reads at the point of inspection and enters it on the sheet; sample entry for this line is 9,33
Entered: 6,13
